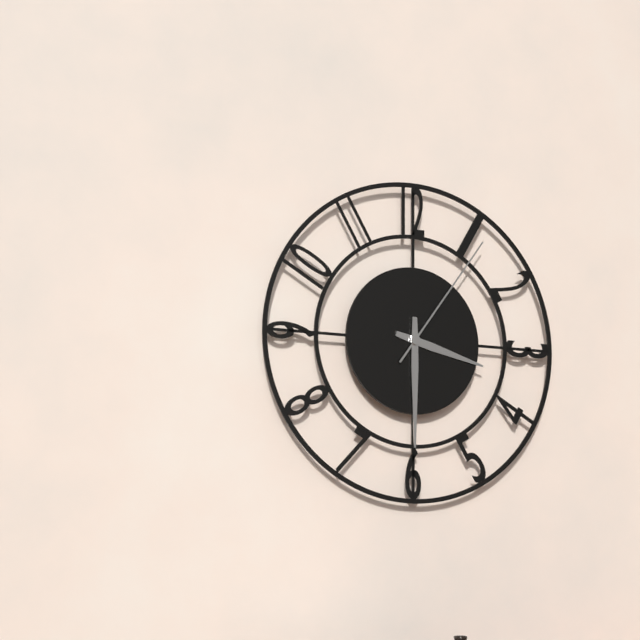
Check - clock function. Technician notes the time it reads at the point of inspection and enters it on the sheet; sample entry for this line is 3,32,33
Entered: 3,30,06
